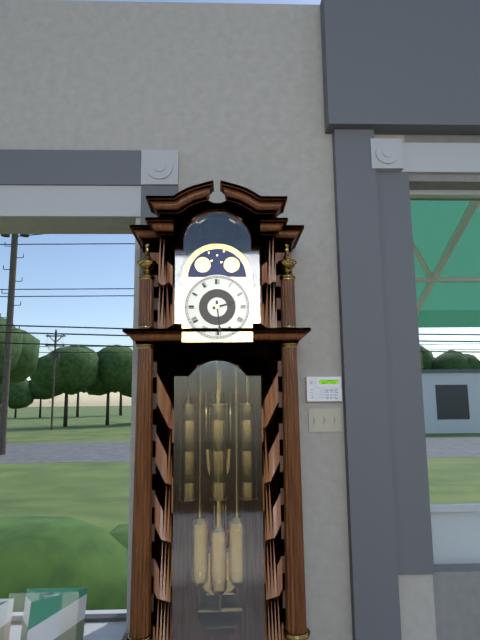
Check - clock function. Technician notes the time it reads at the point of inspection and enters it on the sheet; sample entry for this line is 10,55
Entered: 2,29
